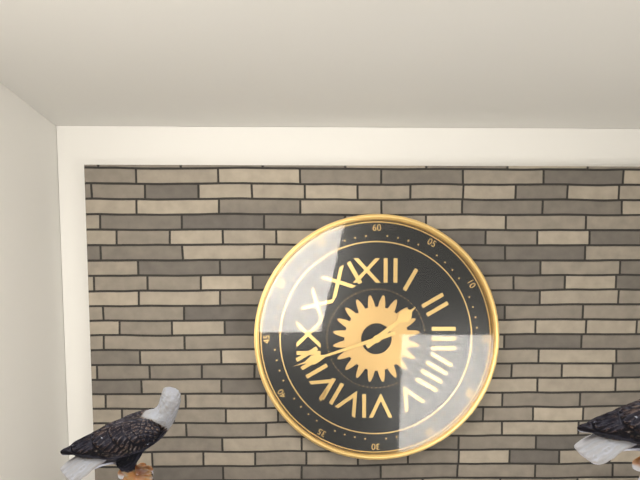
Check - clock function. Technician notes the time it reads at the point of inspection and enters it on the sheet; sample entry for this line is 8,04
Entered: 1,42
